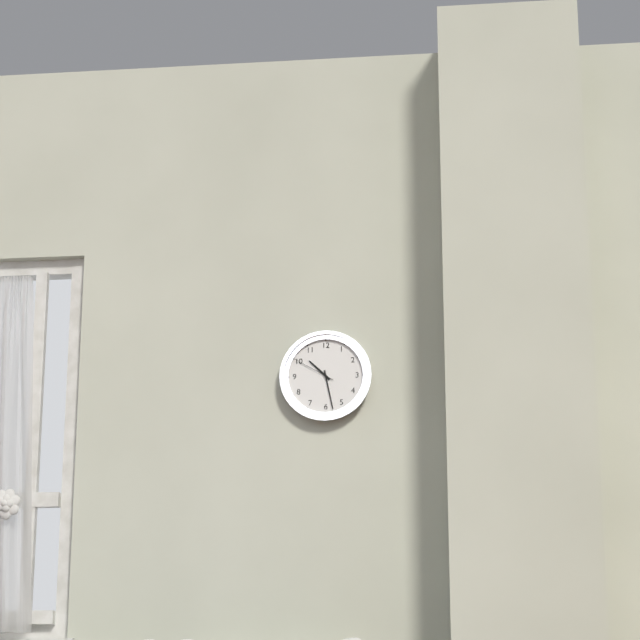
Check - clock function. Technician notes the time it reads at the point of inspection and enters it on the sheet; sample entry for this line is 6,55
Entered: 10,28
